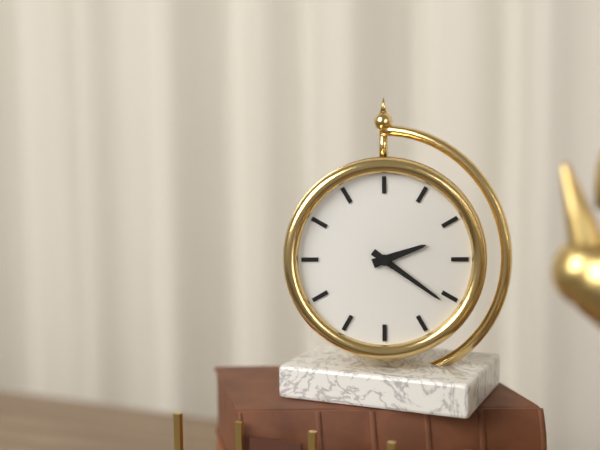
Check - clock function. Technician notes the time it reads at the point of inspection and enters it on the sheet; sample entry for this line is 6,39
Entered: 2,21
